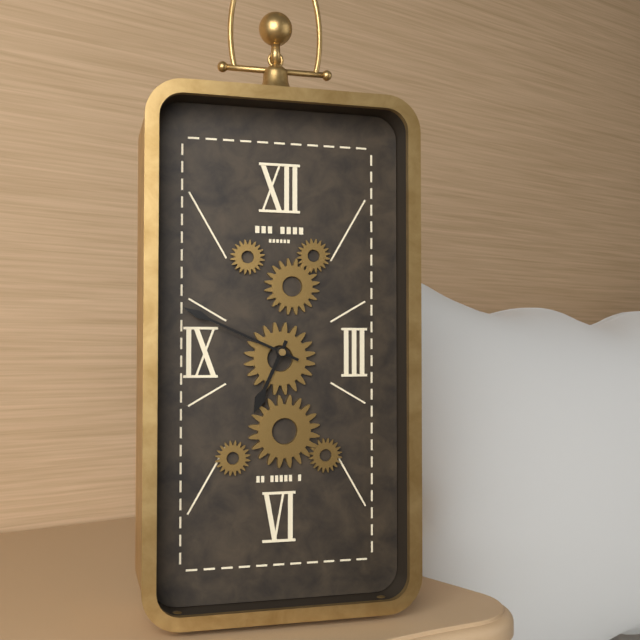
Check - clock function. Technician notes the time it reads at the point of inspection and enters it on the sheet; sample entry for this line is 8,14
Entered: 6,49
